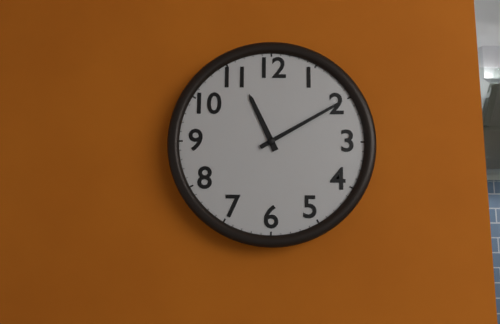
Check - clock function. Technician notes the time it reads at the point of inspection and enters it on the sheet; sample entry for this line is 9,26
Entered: 11,10
